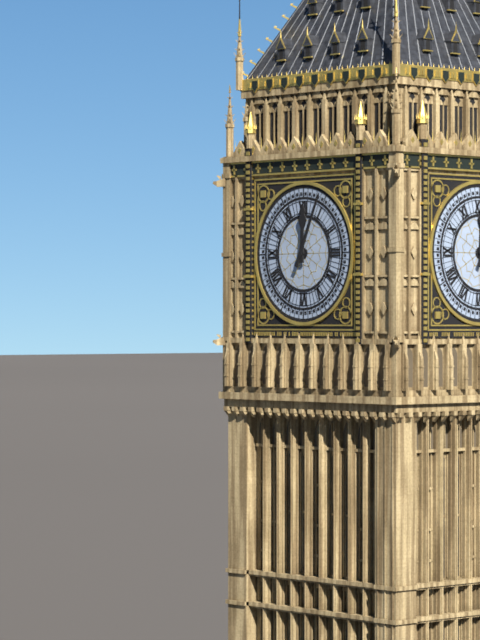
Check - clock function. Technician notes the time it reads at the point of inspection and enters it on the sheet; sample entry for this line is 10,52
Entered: 12,04
